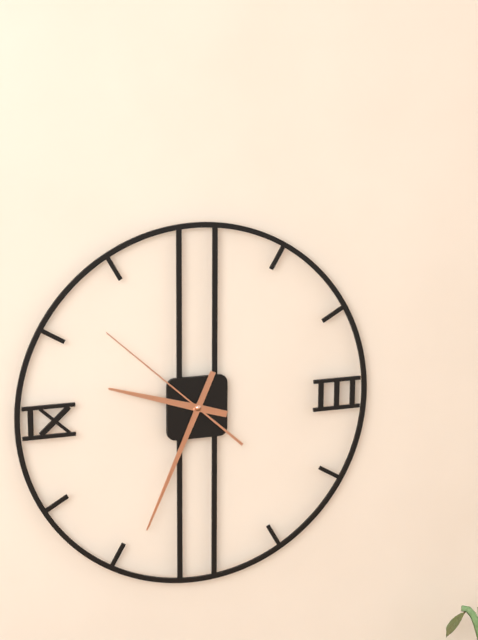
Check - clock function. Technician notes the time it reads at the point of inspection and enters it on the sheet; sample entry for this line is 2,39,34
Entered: 9,34,52
